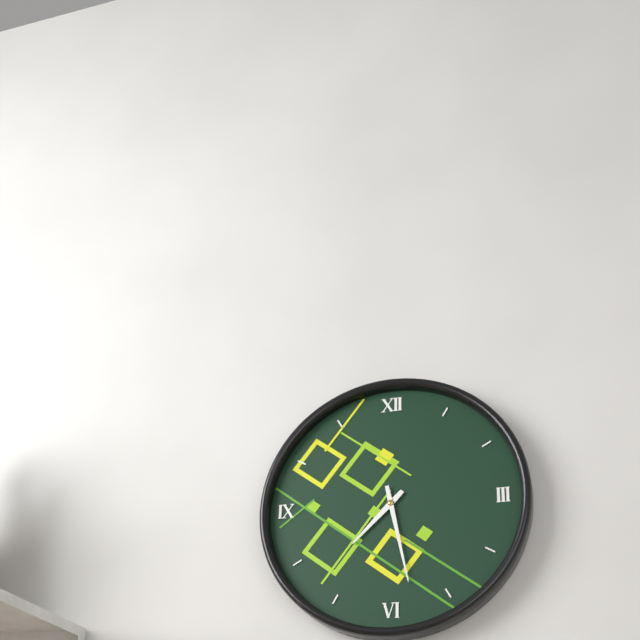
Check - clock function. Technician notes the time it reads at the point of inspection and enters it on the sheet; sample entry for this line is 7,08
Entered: 7,28
